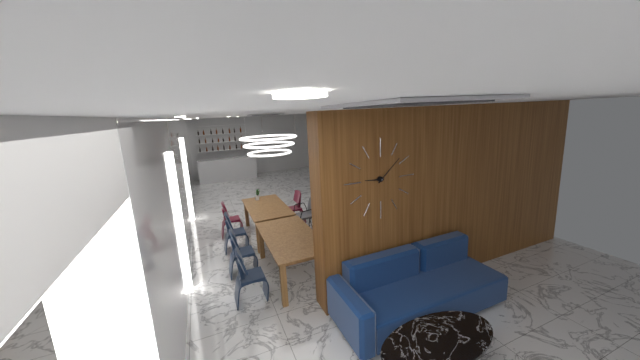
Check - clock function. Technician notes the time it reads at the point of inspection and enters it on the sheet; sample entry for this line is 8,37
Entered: 9,08
